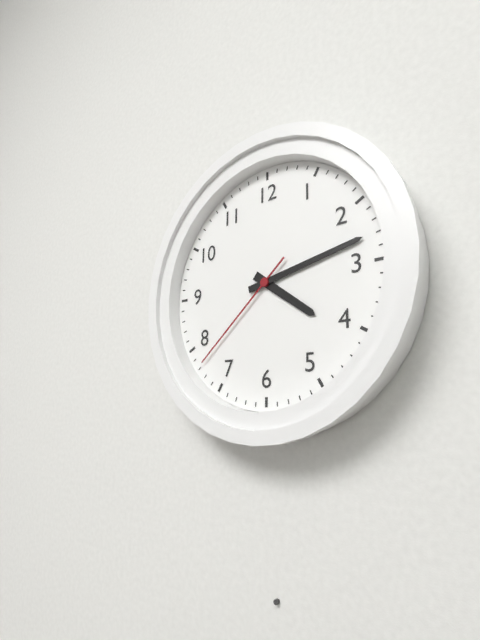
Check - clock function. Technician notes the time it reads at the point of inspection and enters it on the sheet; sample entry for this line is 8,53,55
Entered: 4,13,38
